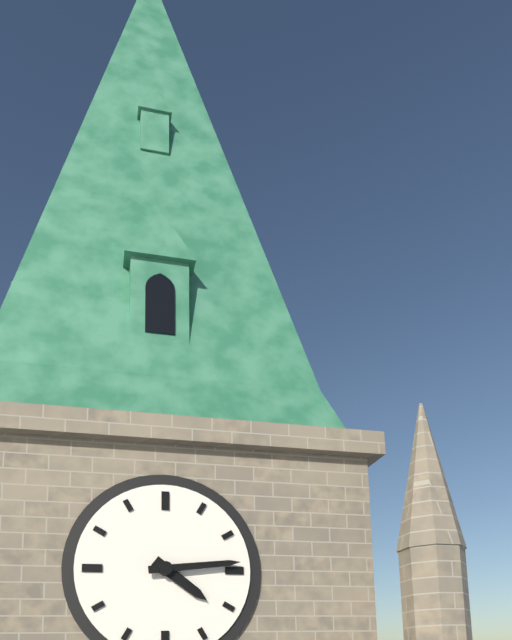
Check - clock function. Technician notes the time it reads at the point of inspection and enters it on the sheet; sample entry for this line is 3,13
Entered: 4,14
